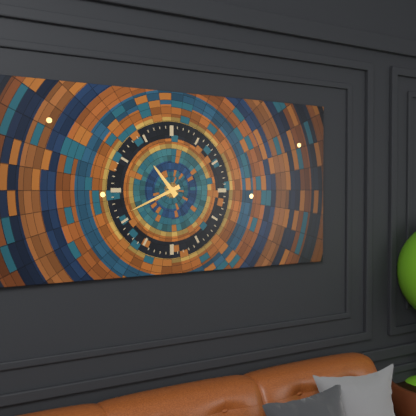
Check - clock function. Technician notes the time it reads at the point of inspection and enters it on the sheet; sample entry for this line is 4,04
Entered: 10,41
